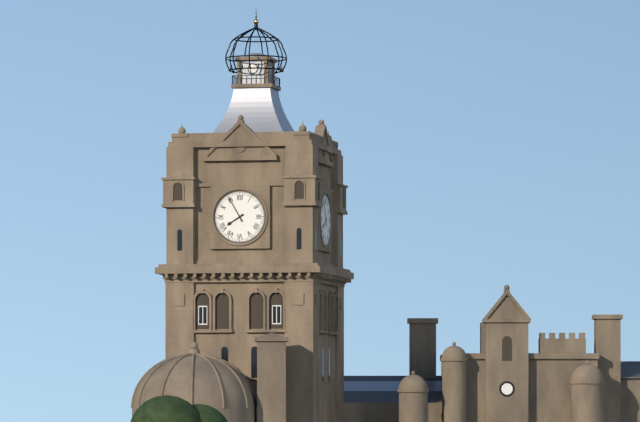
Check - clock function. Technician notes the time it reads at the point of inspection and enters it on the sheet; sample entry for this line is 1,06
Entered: 7,55
